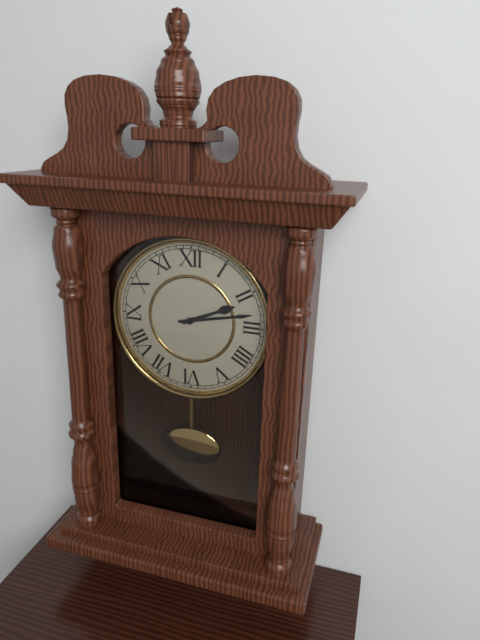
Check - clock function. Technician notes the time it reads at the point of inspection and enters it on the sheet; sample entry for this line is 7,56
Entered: 2,13
